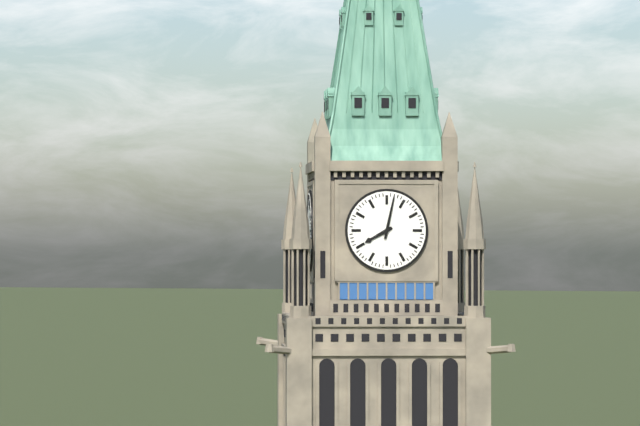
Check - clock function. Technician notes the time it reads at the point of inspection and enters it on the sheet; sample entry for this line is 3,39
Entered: 8,02
